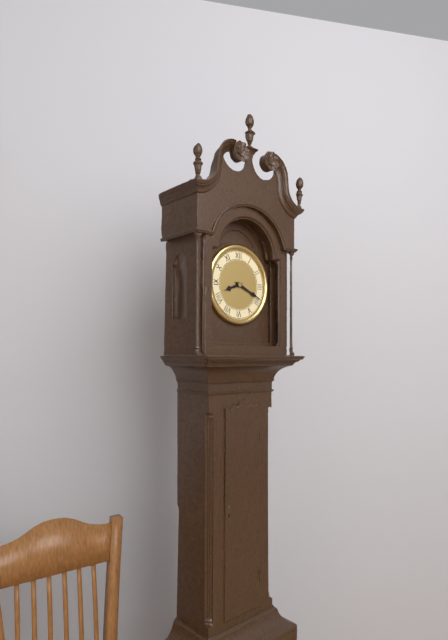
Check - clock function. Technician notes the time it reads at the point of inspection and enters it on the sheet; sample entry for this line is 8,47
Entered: 8,19
